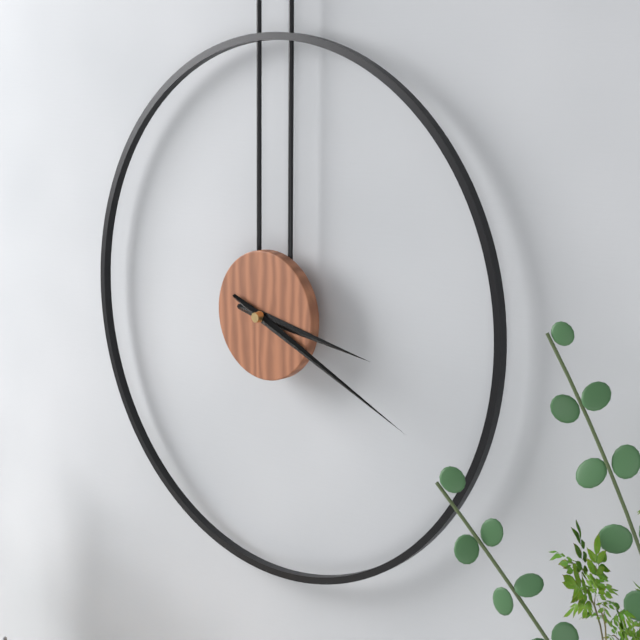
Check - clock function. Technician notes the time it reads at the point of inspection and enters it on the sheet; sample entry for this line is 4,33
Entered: 3,19
